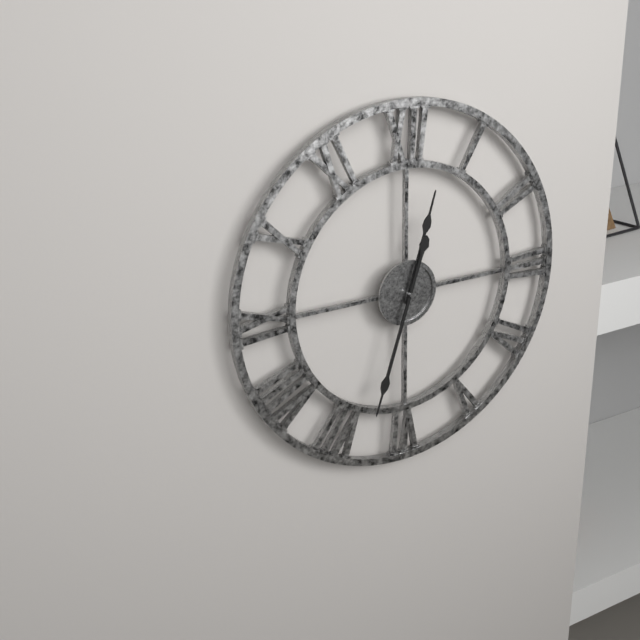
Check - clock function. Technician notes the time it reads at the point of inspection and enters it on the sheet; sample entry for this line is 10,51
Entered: 12,33
